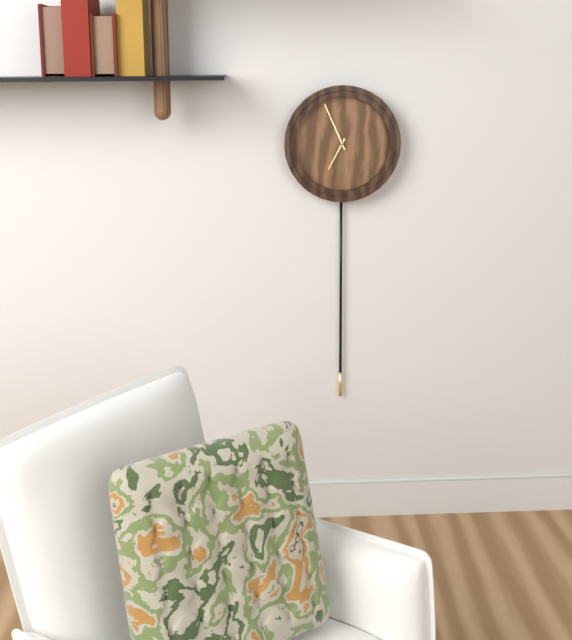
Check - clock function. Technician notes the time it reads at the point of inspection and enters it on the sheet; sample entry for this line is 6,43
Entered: 6,56
